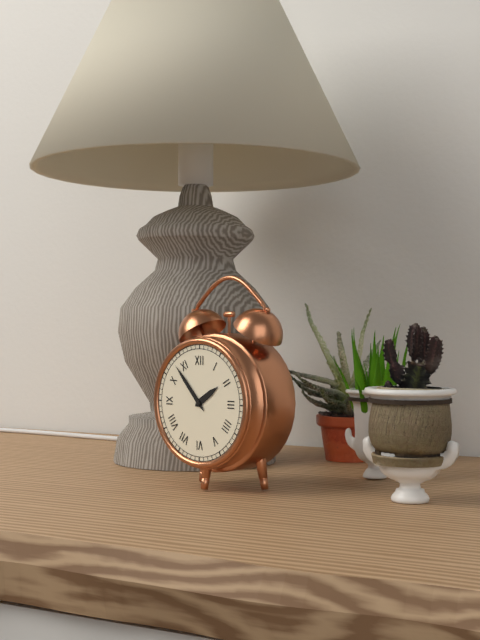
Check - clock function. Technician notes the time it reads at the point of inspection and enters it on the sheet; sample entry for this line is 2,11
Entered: 1,53
